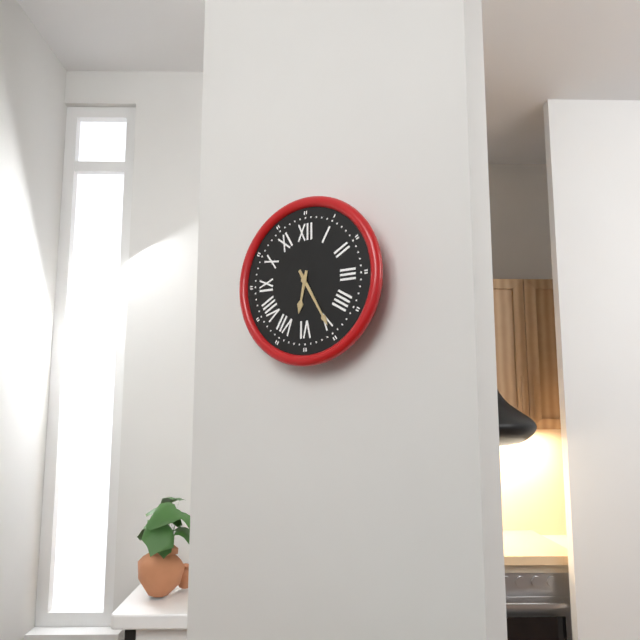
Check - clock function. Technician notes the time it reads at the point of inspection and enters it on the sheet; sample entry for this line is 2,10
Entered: 6,25
